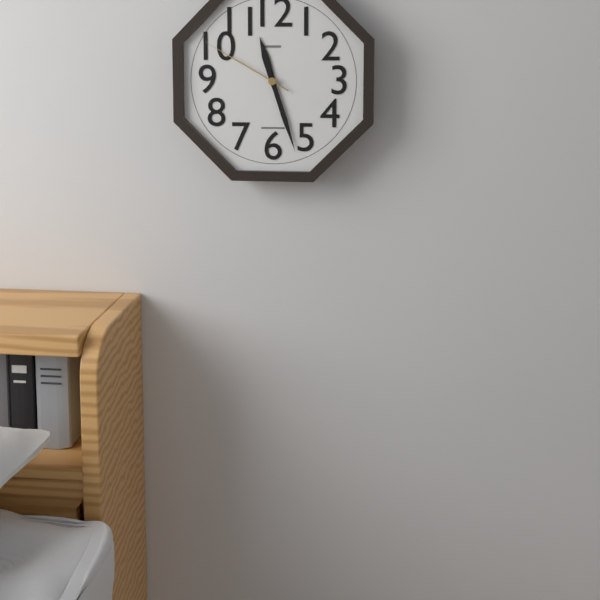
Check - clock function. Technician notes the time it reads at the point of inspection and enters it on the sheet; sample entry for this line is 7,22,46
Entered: 11,27,50
